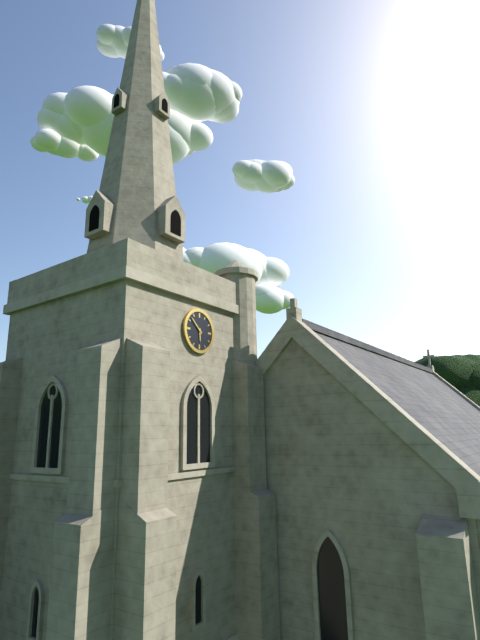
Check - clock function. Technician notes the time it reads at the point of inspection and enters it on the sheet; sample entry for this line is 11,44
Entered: 5,52
